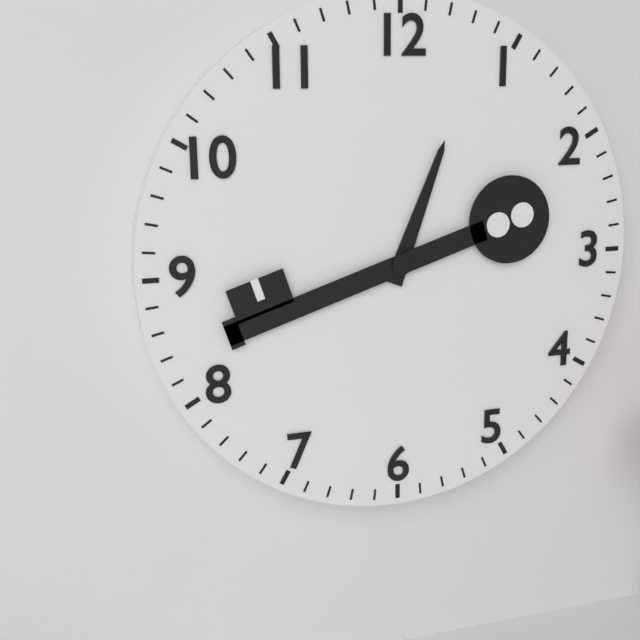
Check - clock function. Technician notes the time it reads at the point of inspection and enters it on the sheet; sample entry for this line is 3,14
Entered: 12,42
